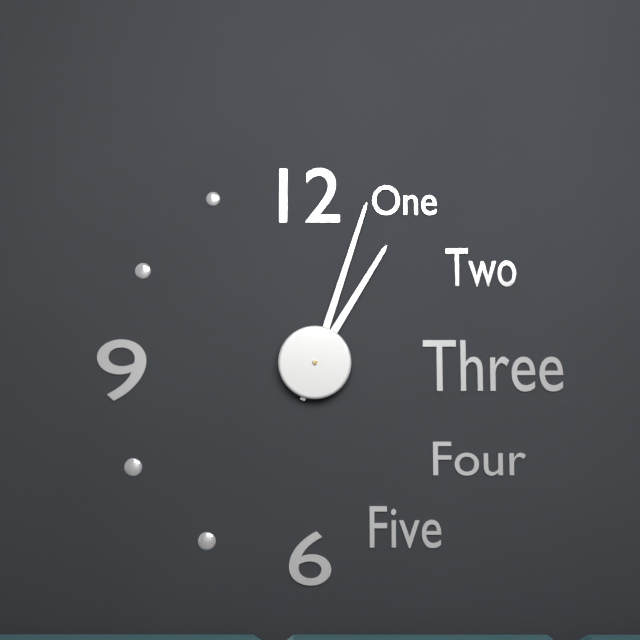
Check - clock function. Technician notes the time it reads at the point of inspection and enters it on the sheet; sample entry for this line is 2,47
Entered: 1,03
